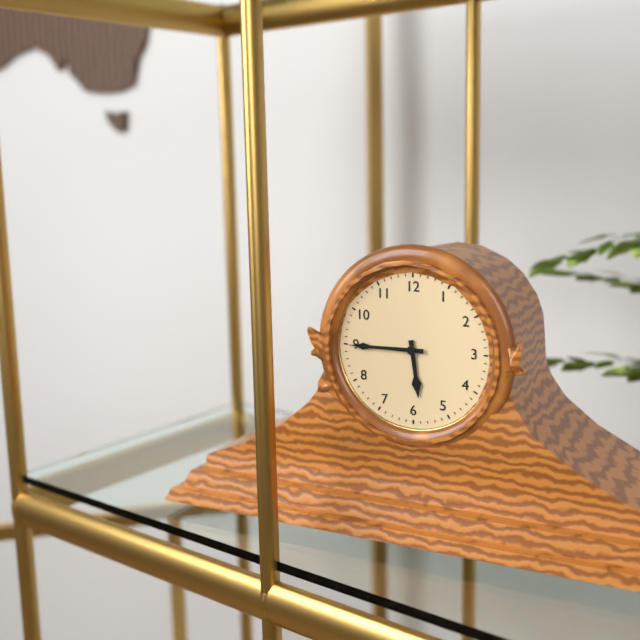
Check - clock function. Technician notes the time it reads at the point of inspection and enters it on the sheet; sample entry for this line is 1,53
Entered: 5,45
